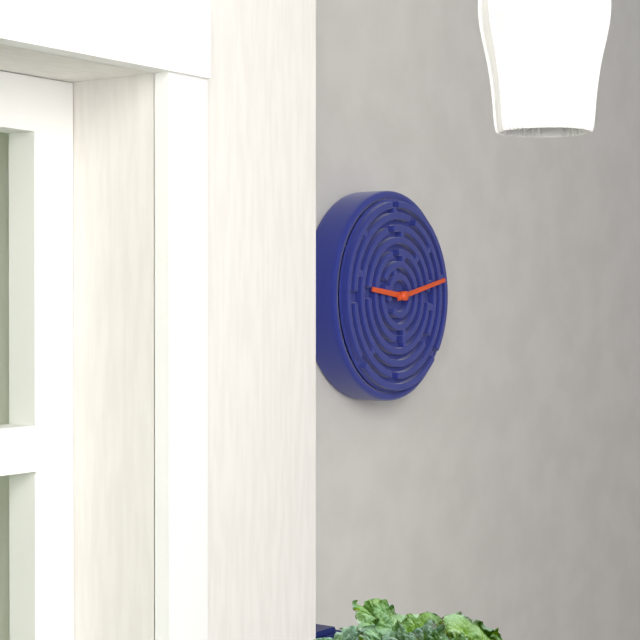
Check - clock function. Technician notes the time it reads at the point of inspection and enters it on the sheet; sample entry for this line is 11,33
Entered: 9,13
